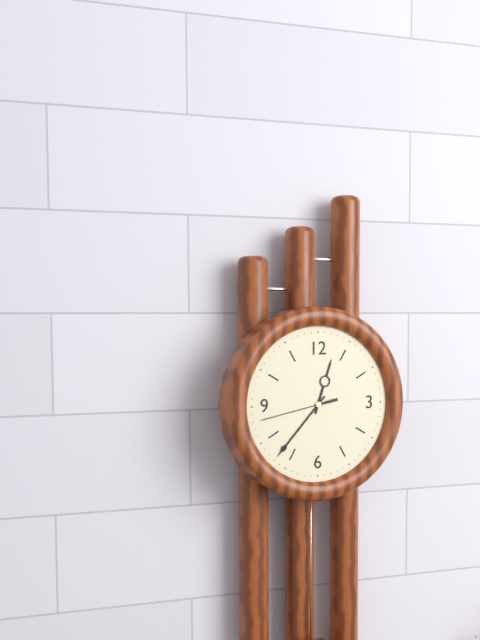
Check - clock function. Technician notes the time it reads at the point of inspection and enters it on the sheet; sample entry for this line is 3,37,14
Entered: 12,37,43
